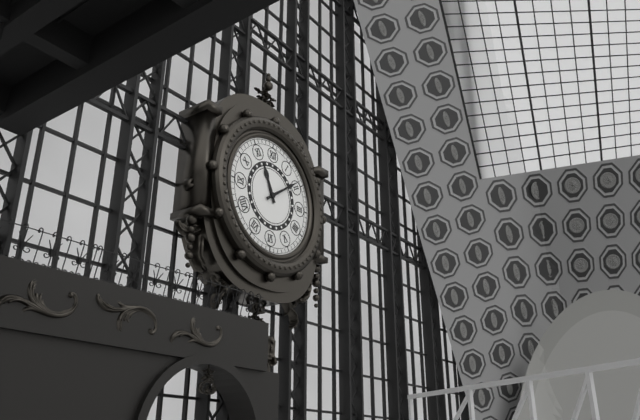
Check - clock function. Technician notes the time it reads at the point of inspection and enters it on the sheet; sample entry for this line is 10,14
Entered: 11,09
